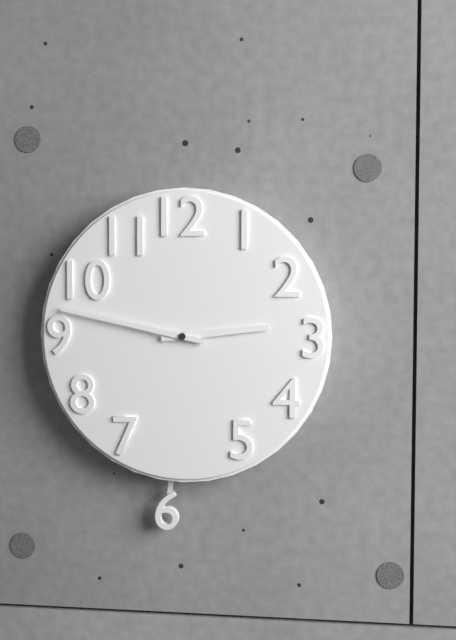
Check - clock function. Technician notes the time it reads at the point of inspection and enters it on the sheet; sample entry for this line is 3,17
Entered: 2,47
